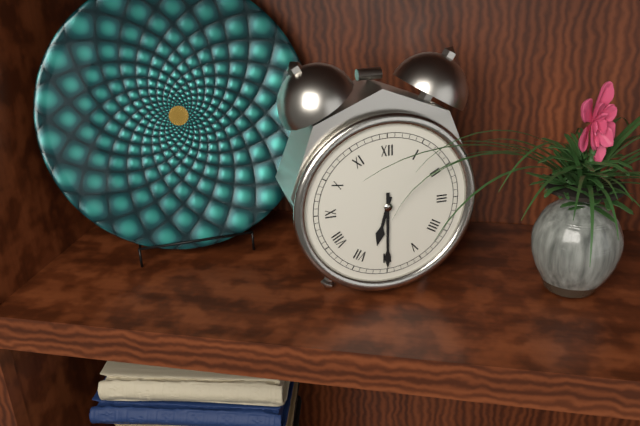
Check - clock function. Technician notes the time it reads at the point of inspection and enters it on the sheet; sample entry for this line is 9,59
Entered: 6,30
